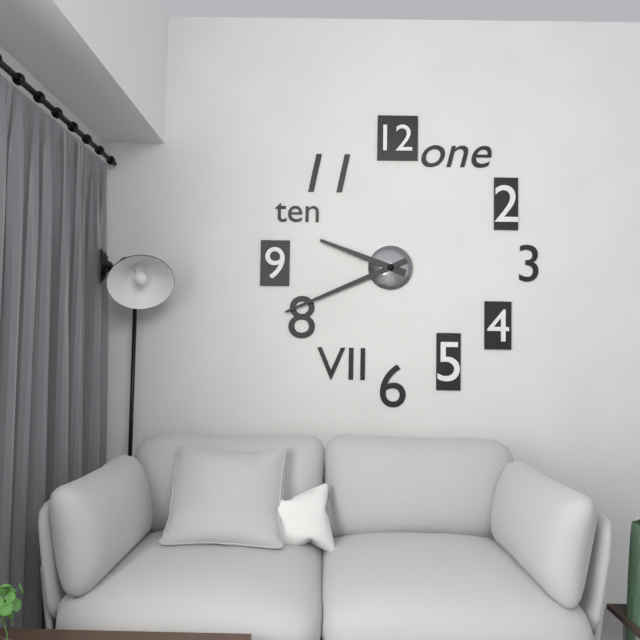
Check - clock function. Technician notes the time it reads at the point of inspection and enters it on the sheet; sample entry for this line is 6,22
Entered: 9,41
